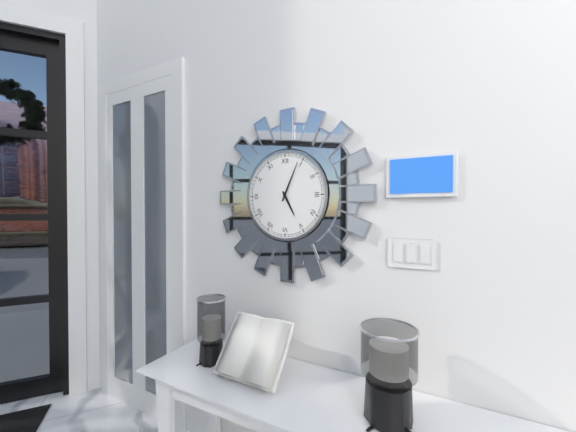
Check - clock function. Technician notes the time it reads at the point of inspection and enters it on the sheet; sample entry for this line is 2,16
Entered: 5,04
